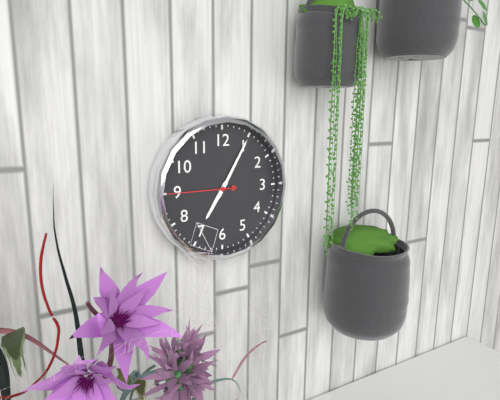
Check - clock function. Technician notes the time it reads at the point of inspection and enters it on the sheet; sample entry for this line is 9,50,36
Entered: 7,05,45
